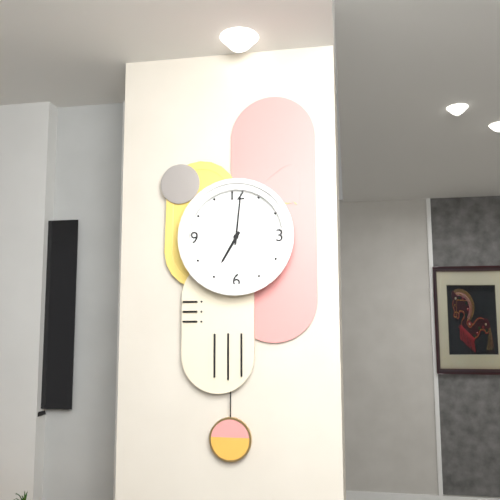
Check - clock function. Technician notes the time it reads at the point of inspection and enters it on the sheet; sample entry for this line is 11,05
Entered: 7,01
